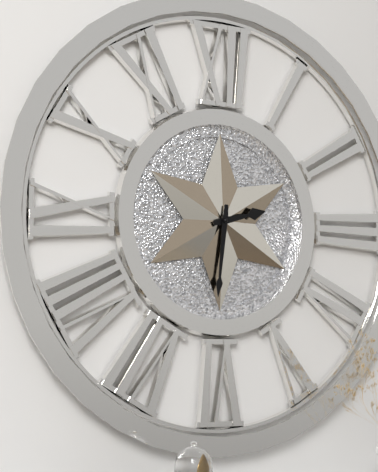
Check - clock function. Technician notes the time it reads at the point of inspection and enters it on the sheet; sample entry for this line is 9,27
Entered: 2,31
